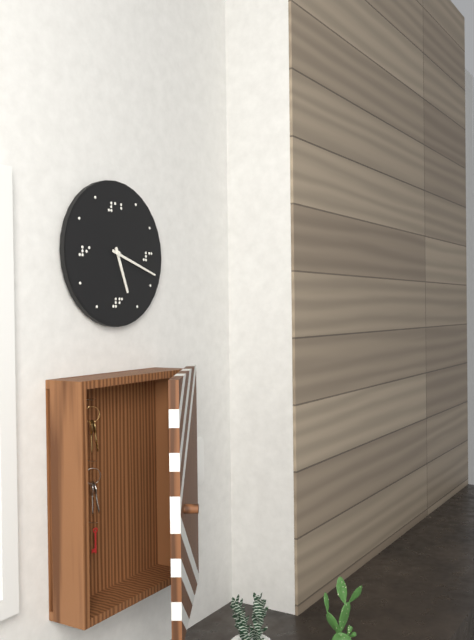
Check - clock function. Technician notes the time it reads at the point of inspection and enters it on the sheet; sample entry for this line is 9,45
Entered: 5,18
